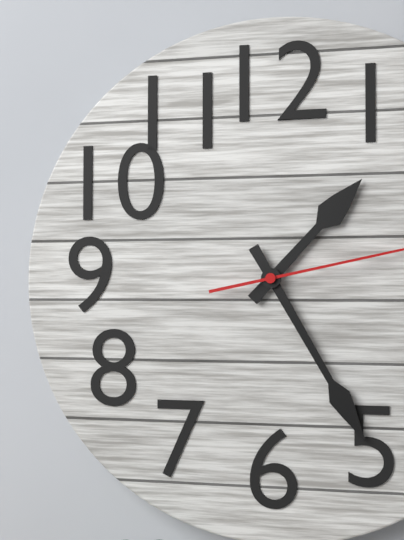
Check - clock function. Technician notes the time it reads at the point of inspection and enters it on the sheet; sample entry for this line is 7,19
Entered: 1,25
